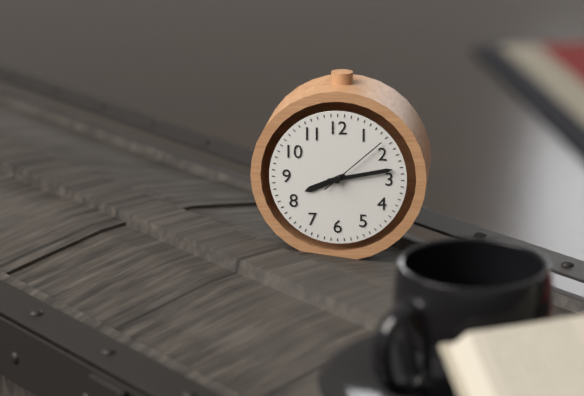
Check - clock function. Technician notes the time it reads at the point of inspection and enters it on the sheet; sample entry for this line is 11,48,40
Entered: 8,13,08
